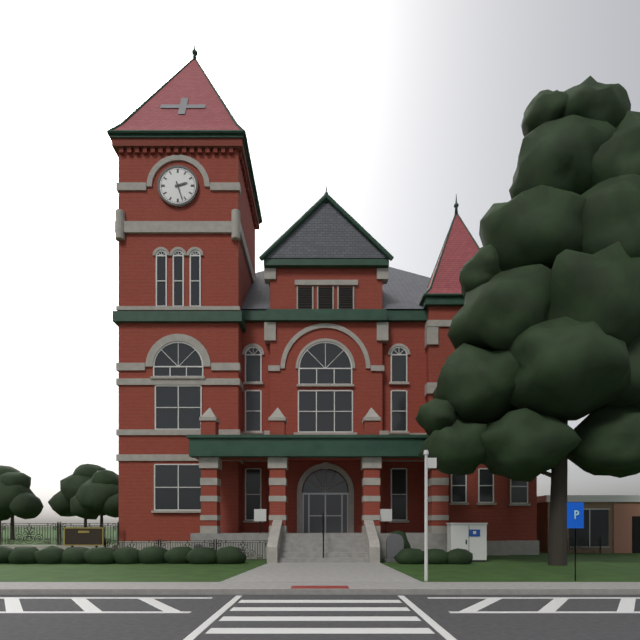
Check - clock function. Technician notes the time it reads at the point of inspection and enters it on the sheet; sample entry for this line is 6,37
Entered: 2,27
